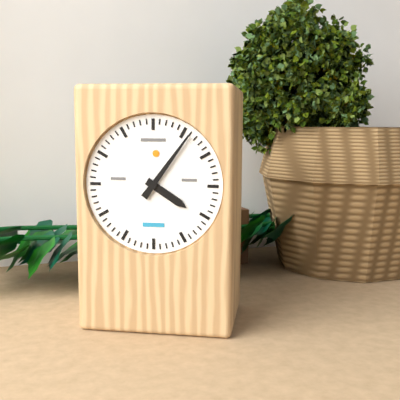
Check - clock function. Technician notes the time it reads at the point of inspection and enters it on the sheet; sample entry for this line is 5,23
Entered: 4,06
